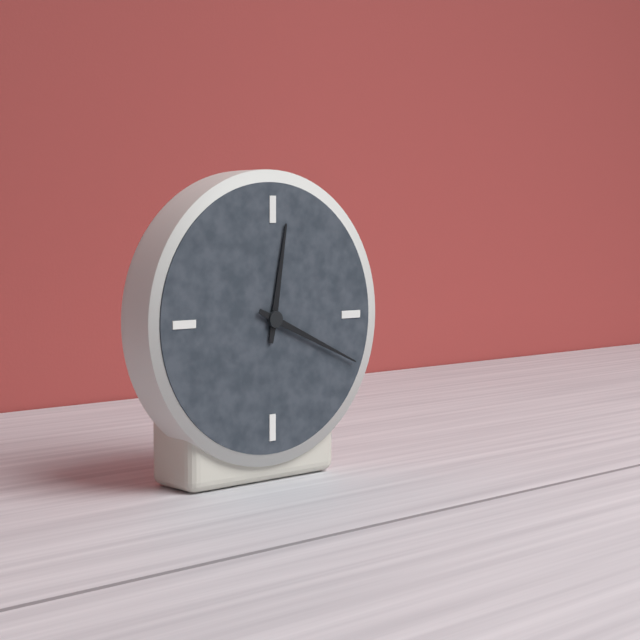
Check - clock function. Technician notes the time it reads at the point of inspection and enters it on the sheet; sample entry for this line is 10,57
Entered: 12,19
